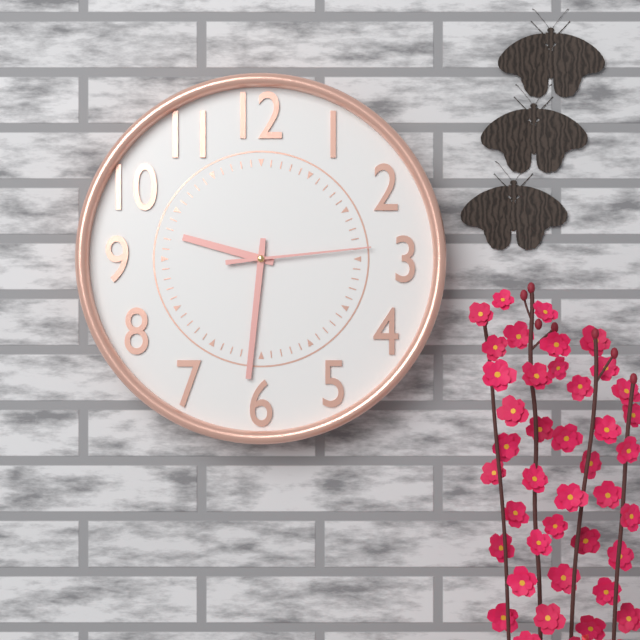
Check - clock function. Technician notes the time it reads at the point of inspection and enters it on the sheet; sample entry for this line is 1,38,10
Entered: 9,31,14
